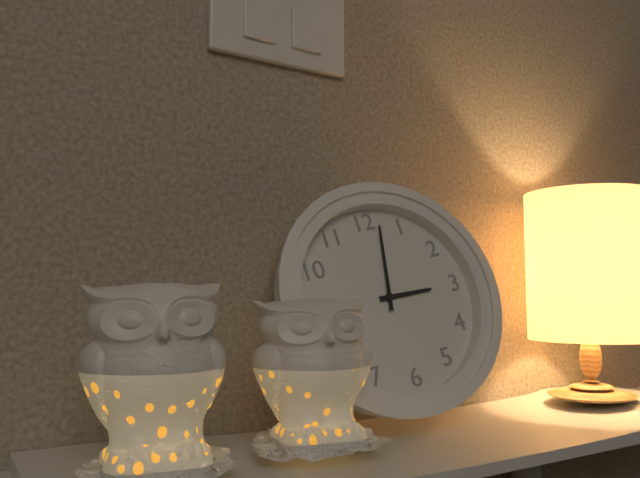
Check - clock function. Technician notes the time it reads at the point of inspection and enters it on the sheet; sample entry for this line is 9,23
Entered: 3,02
